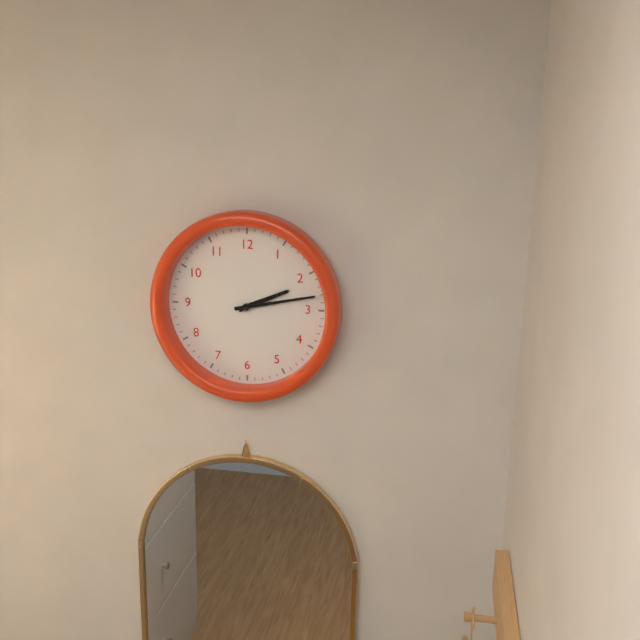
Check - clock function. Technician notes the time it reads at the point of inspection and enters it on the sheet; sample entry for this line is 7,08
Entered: 2,13
